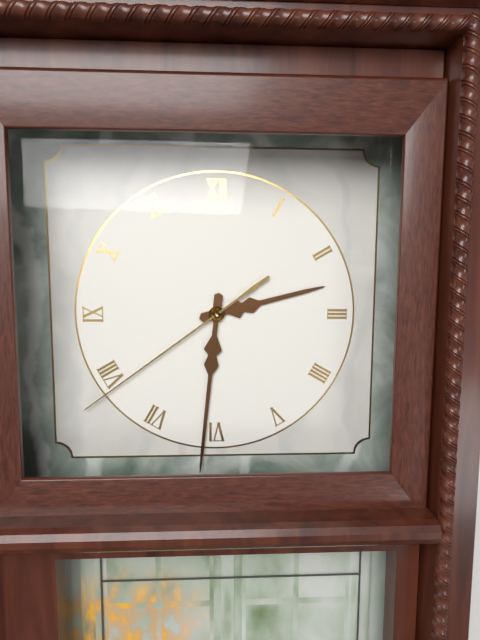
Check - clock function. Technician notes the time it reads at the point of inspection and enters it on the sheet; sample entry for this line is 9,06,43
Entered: 2,31,39
